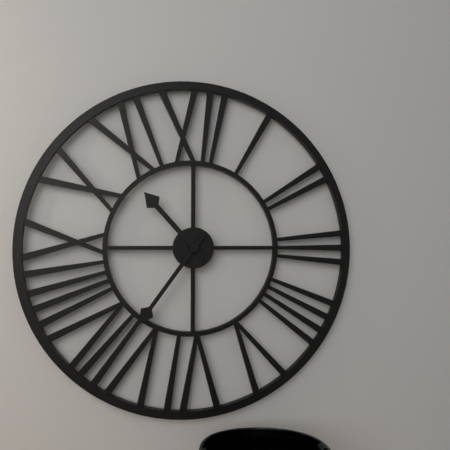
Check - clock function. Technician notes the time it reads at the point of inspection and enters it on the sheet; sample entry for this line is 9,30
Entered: 10,36
